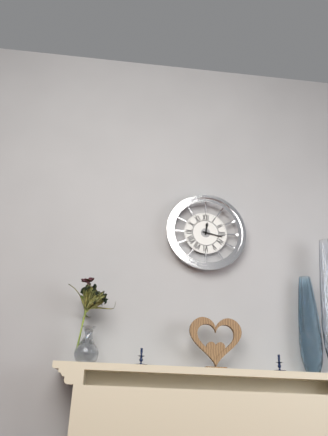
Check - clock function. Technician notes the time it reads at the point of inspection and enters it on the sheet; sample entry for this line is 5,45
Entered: 12,17
